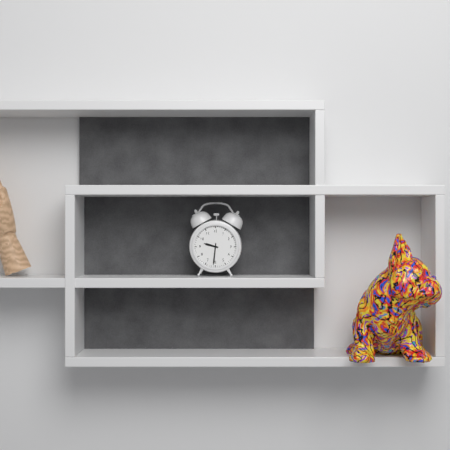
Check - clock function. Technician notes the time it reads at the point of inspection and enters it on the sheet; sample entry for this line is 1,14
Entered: 9,31
